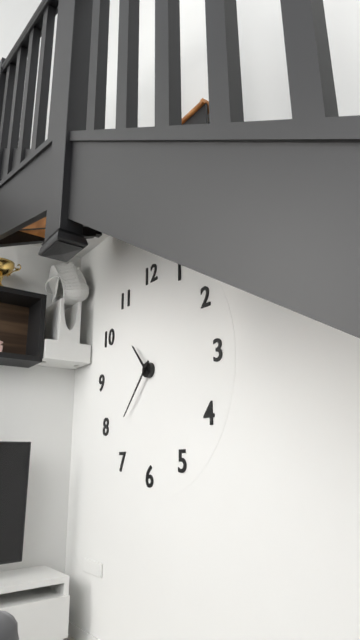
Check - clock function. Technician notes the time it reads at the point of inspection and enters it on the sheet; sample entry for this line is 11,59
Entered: 10,37
